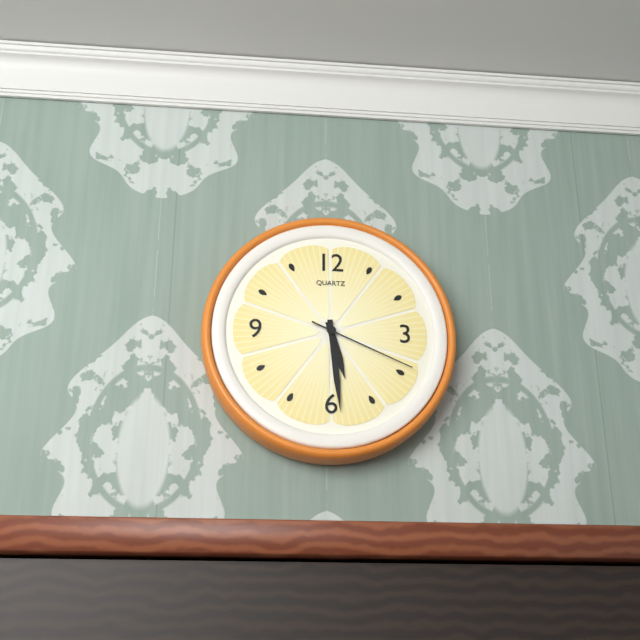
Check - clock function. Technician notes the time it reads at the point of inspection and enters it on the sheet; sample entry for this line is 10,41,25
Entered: 5,29,19
